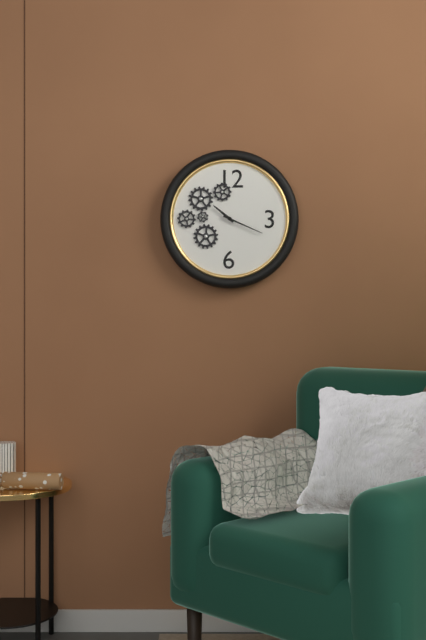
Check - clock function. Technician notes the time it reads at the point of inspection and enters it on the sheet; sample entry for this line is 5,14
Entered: 10,19
